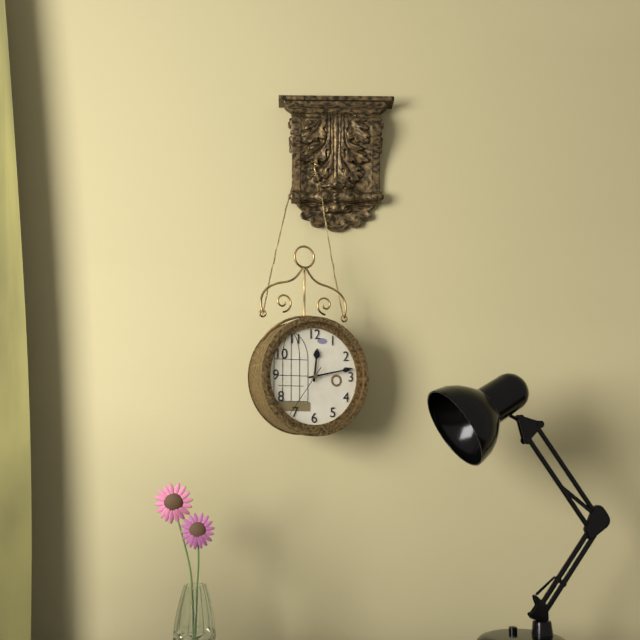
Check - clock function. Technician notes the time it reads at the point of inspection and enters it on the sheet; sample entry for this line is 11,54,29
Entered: 12,13,36
